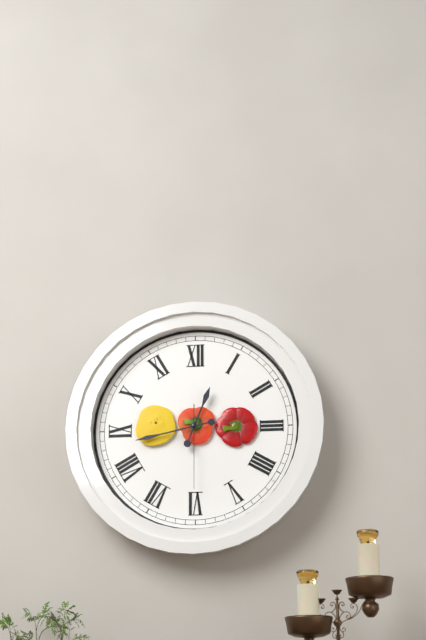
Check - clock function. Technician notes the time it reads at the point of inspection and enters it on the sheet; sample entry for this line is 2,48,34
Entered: 12,43,30
